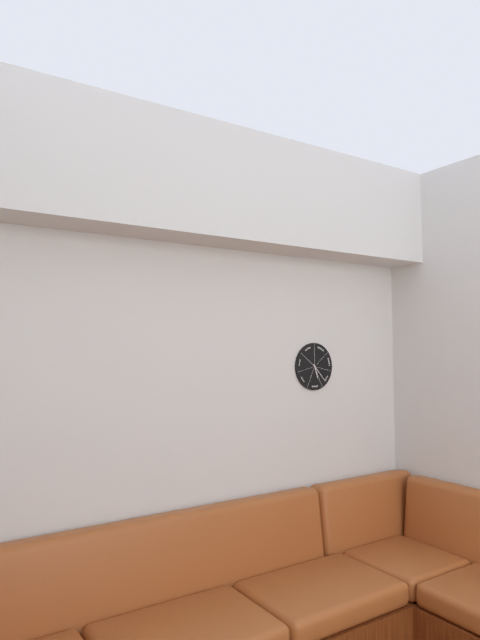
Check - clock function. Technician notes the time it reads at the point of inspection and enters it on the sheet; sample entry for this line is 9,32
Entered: 5,23
